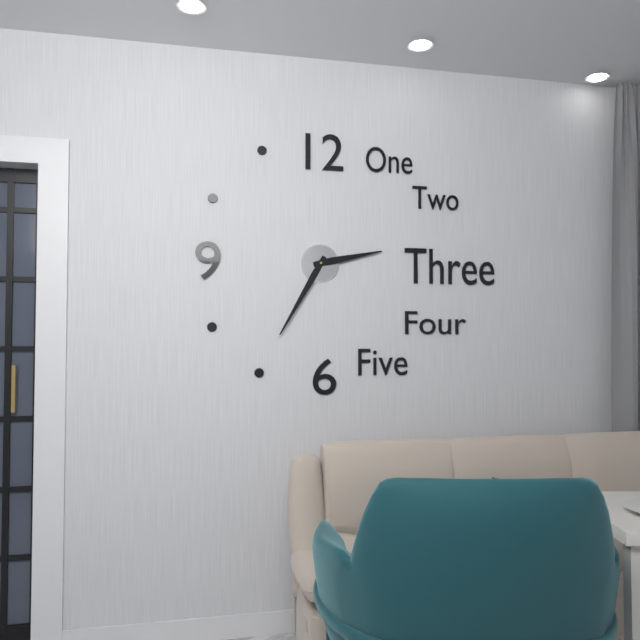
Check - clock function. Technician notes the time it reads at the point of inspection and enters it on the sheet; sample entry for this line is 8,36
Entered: 2,35
